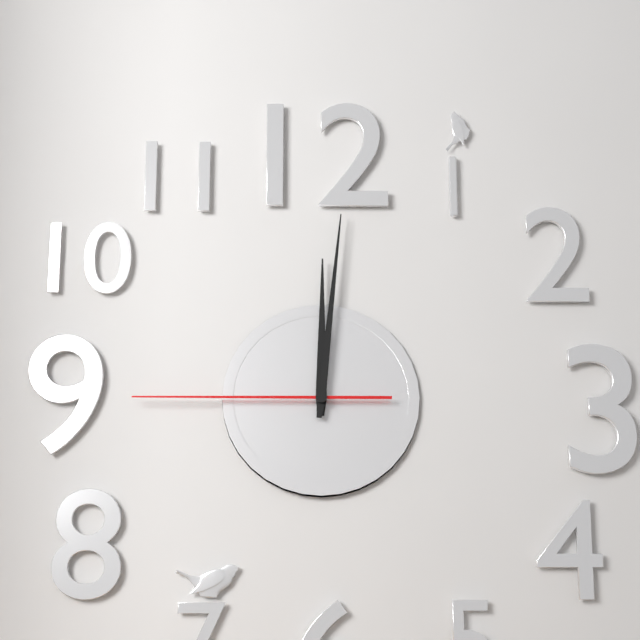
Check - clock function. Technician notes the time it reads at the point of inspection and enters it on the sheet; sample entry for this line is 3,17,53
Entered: 12,01,45
